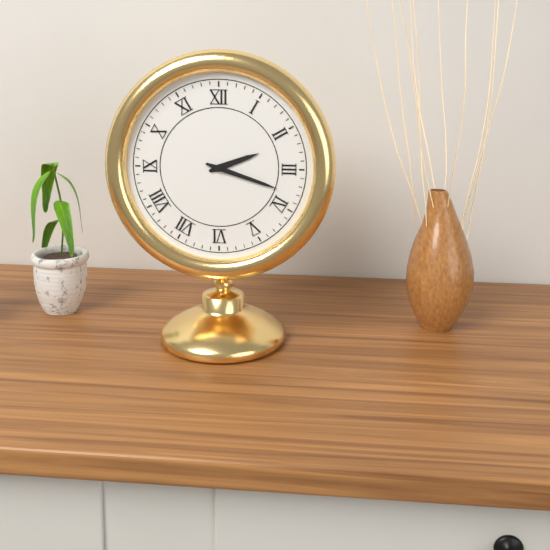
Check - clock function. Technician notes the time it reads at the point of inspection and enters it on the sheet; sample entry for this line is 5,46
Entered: 2,18
